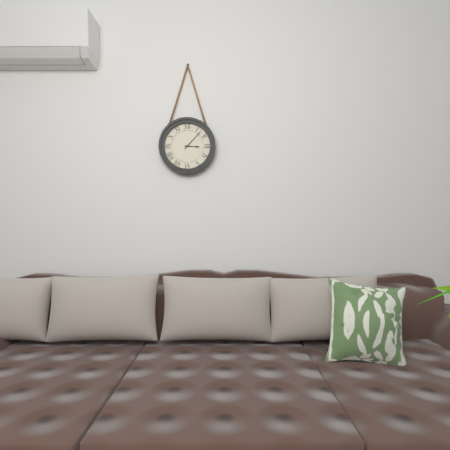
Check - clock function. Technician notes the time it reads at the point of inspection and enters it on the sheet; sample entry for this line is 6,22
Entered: 3,07
